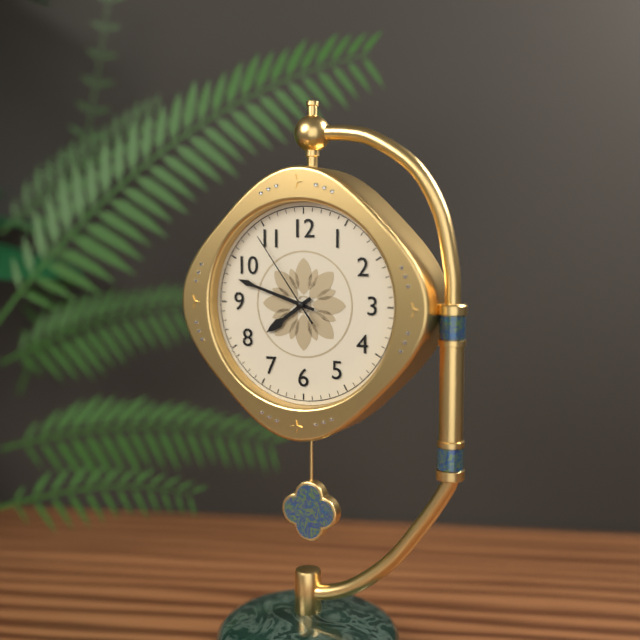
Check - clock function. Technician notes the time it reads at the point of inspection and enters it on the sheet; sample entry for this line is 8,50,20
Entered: 7,48,54
